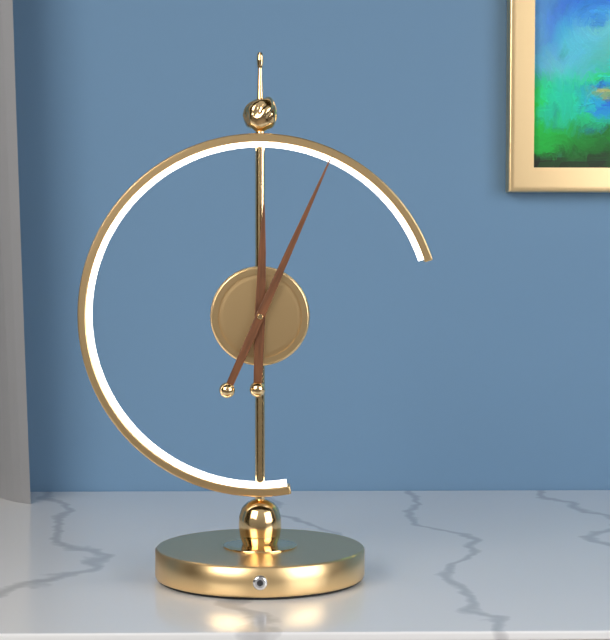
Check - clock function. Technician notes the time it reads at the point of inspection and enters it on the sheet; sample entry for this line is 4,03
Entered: 12,04
